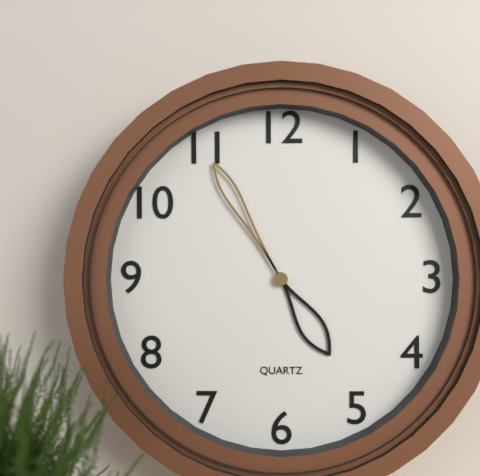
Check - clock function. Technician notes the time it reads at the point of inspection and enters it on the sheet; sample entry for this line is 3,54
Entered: 4,55
